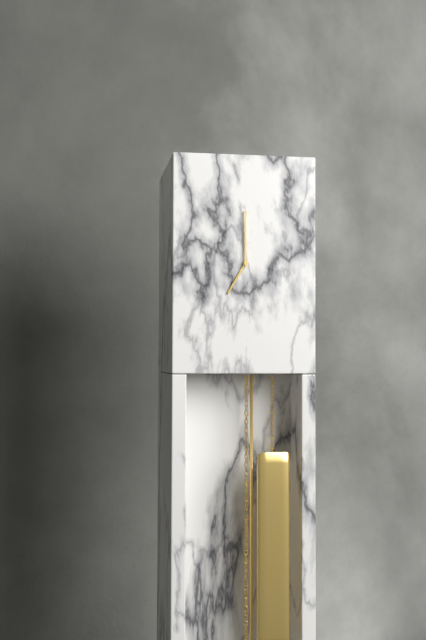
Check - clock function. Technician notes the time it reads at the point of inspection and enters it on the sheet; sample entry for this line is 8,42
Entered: 7,00
